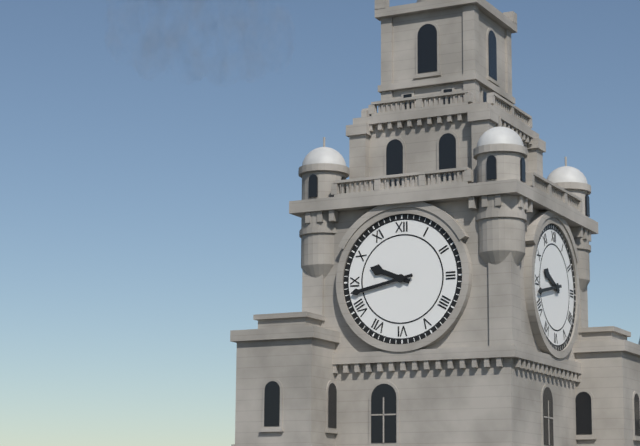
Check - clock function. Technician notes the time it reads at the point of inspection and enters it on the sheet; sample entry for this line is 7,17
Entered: 9,43
